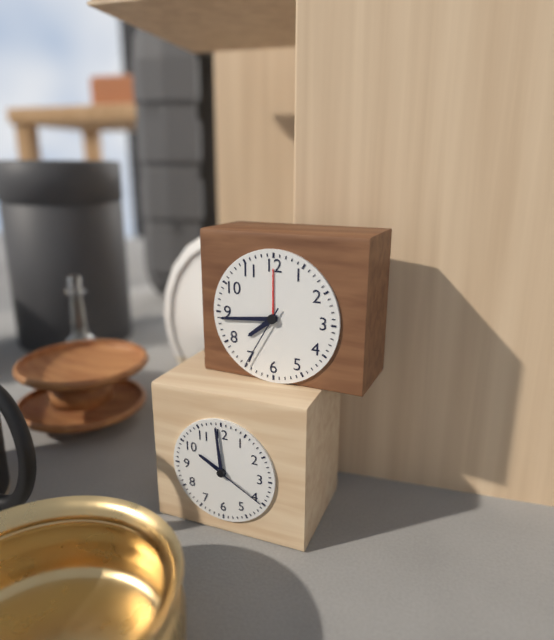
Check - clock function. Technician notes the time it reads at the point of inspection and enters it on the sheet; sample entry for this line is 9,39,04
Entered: 7,44,35
